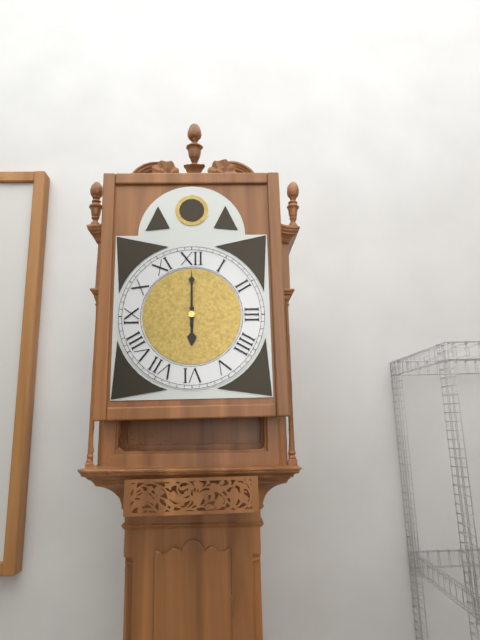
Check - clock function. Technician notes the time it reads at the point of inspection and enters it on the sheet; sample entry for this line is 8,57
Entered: 6,00
